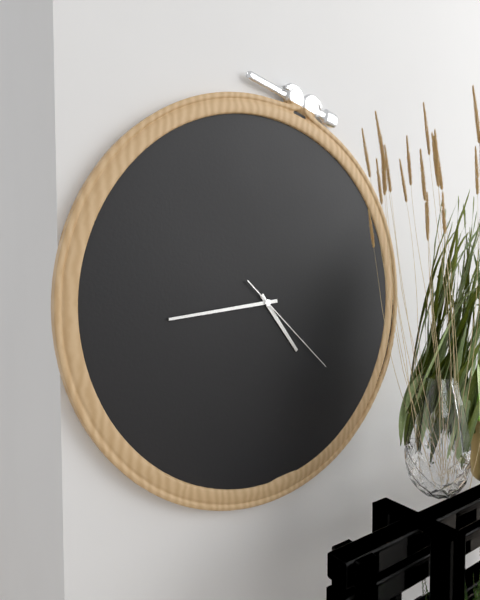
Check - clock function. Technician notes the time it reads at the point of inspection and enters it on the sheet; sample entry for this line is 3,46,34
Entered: 4,44,22
